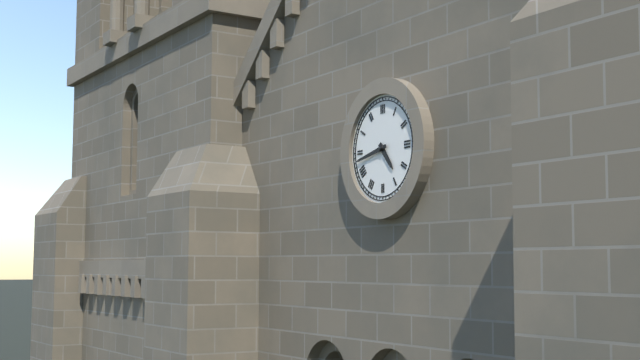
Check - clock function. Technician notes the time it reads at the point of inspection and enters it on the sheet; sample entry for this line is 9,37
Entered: 4,43
